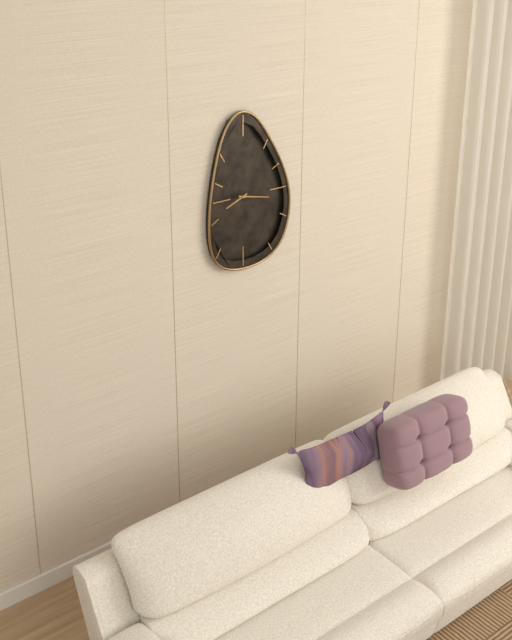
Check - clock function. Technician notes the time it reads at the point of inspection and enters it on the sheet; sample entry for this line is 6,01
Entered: 8,17
